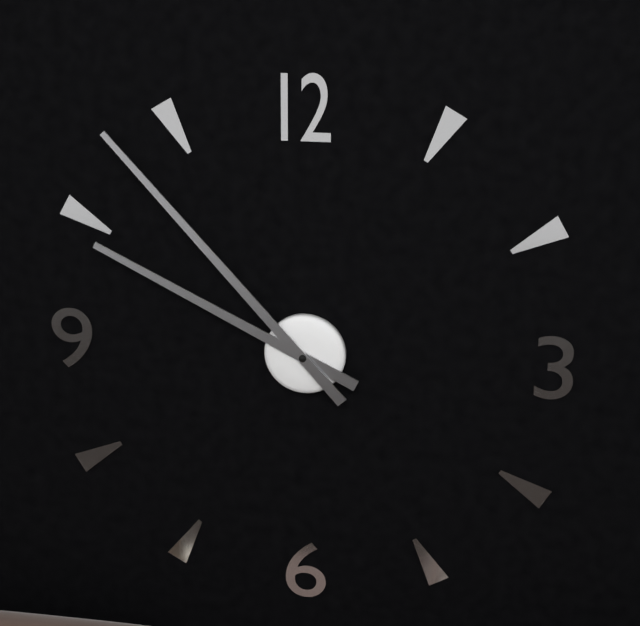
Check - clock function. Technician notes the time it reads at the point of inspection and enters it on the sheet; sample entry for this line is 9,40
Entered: 9,53
